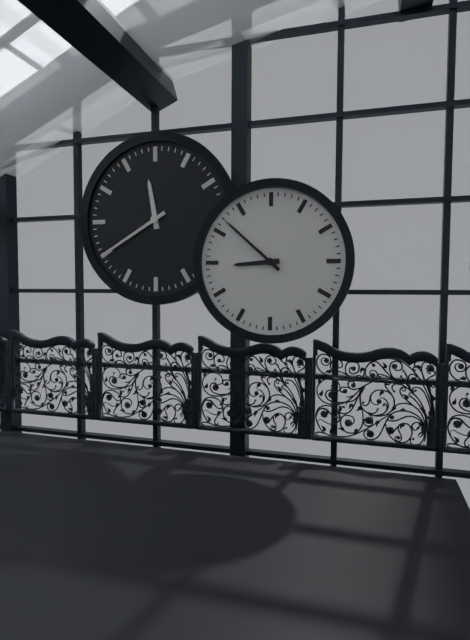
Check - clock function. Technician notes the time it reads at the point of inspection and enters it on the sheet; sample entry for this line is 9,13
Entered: 8,52
